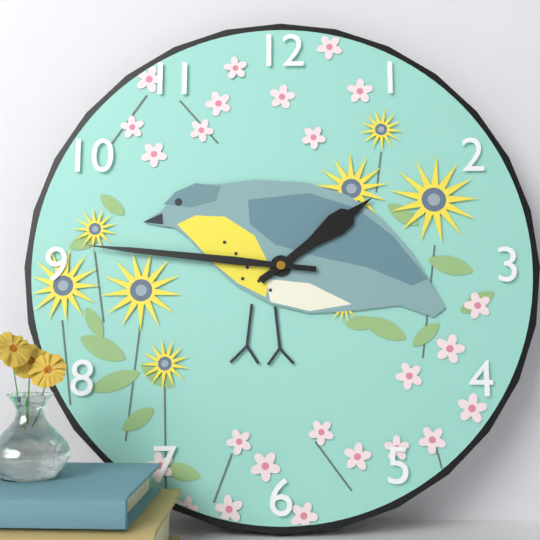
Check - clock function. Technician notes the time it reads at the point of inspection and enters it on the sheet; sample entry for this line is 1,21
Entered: 1,46
